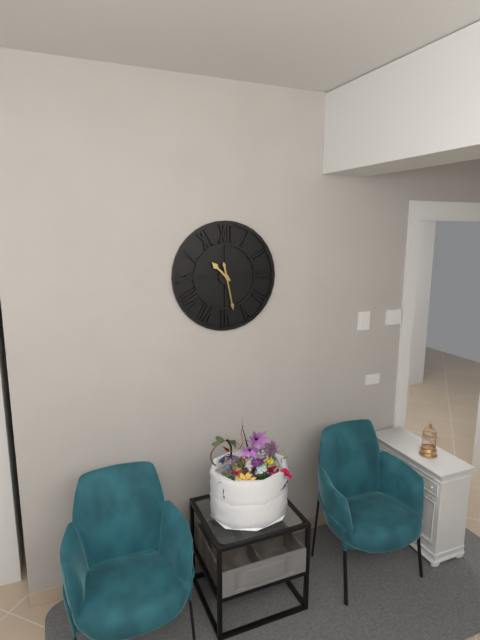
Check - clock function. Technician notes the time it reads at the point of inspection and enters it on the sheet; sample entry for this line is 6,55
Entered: 10,28
